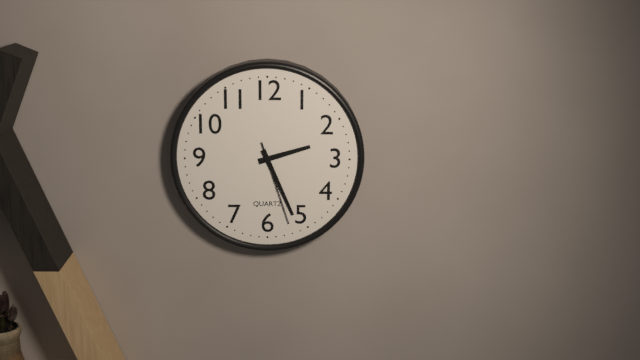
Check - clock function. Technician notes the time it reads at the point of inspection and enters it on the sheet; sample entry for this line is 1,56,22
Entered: 2,26,27
